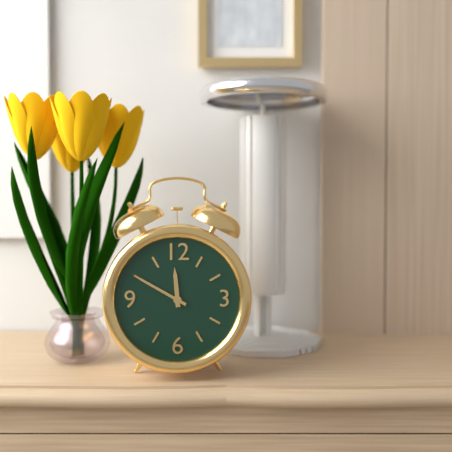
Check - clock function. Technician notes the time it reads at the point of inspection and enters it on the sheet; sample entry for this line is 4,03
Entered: 11,50
